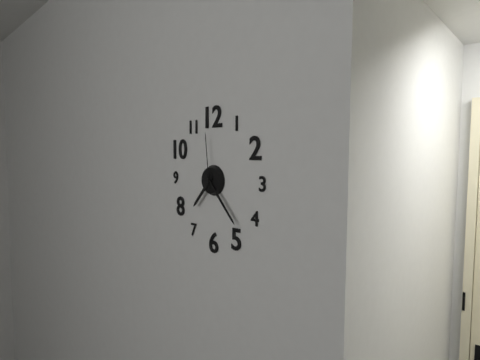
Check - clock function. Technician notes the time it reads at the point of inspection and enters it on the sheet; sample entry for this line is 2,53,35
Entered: 7,23,59
